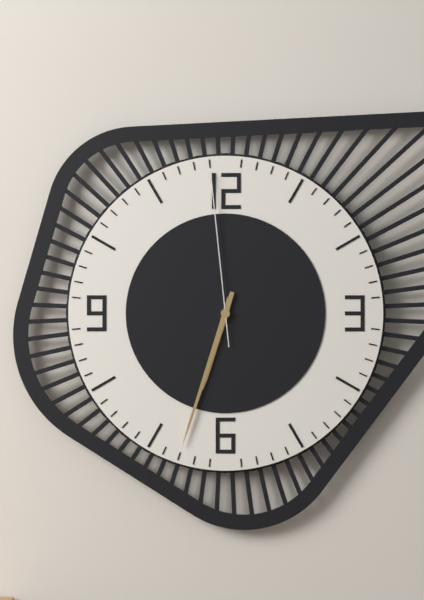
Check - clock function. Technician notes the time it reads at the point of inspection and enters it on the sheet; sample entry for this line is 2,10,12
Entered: 6,33,59
